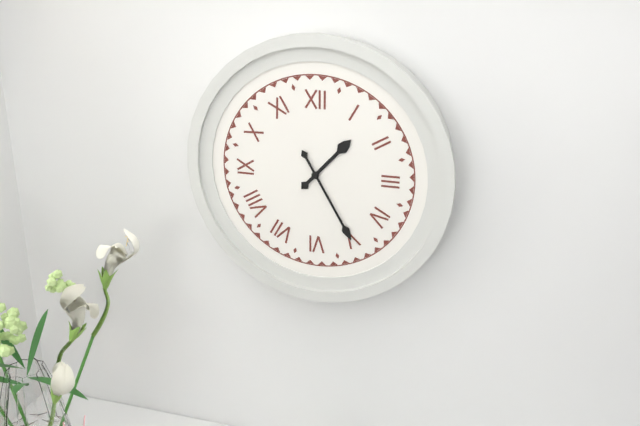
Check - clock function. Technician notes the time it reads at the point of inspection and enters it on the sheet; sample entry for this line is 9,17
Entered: 1,25
